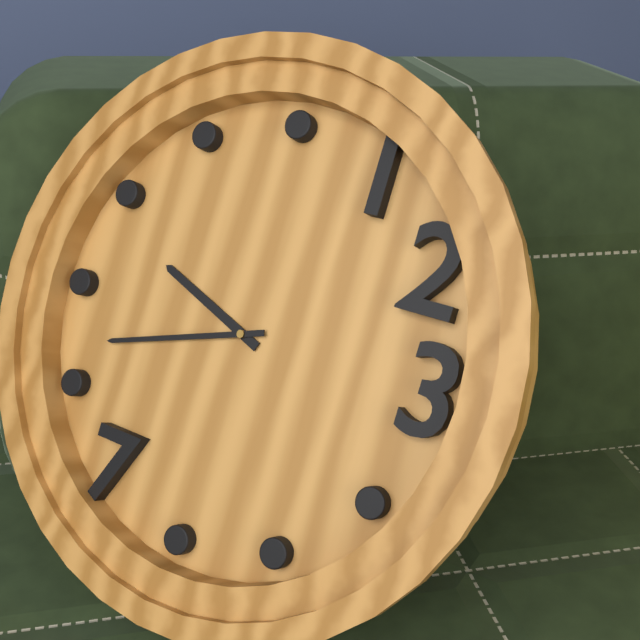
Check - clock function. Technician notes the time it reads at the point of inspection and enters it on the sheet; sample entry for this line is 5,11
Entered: 9,42
